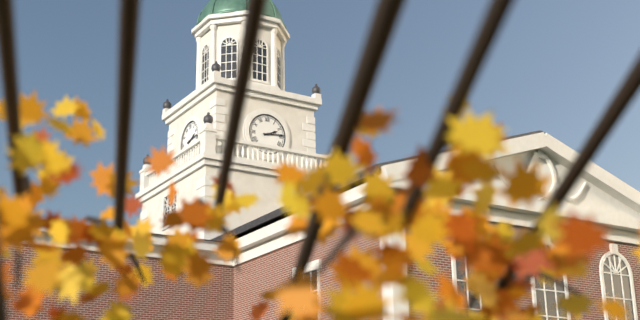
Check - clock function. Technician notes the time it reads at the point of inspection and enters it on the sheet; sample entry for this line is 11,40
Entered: 2,14
